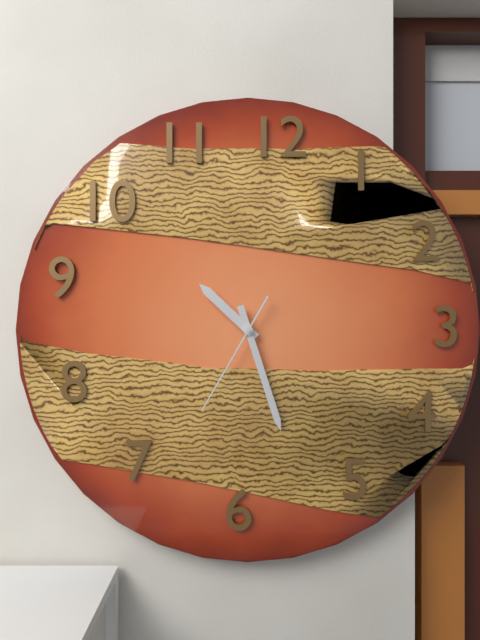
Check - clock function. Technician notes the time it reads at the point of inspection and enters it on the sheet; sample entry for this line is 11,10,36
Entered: 10,27,35
